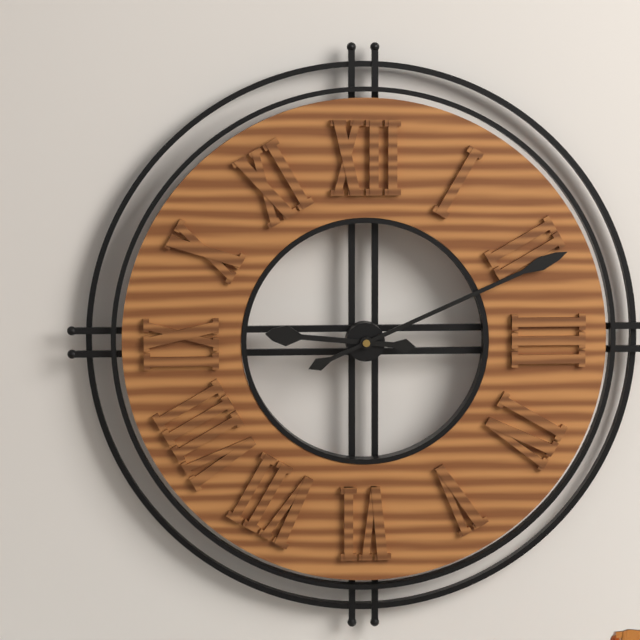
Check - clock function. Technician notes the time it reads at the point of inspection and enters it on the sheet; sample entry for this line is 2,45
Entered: 9,11
